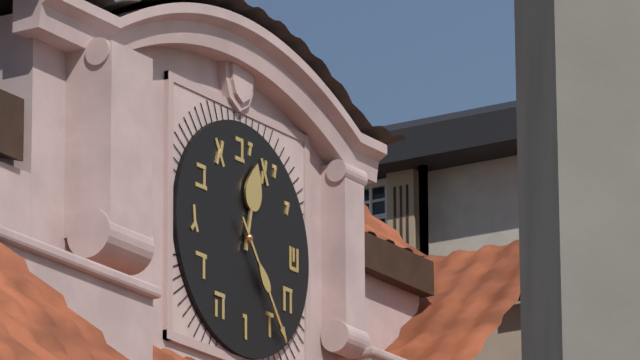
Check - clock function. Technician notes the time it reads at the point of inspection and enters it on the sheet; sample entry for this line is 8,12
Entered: 12,24
